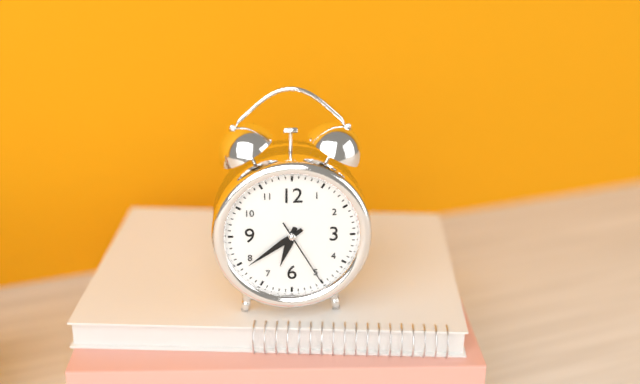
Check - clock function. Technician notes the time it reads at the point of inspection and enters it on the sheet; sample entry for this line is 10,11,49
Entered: 6,39,25
